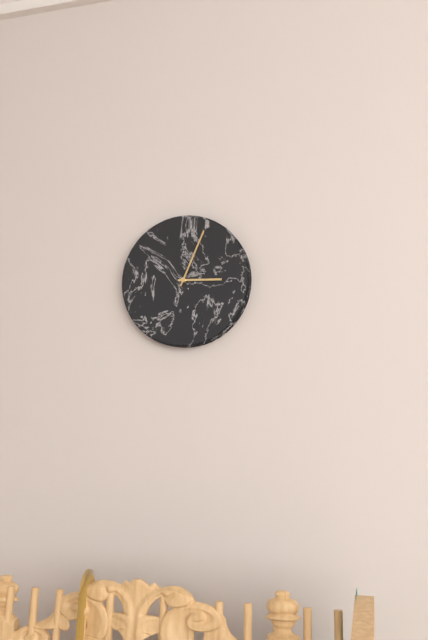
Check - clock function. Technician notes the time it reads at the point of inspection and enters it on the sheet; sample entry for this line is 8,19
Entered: 3,04
